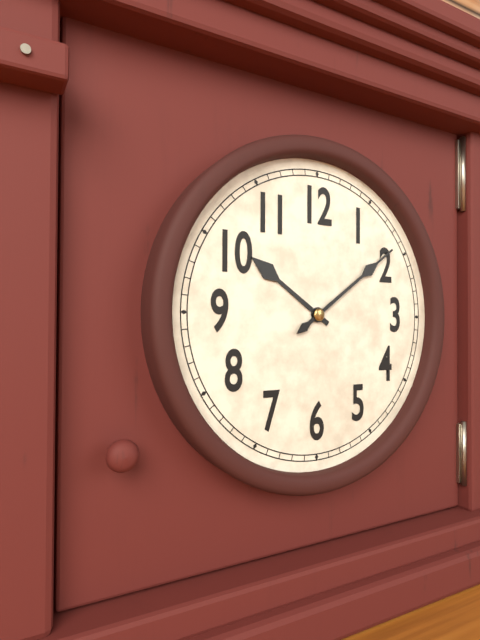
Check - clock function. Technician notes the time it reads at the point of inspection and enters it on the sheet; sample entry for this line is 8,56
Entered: 10,09
